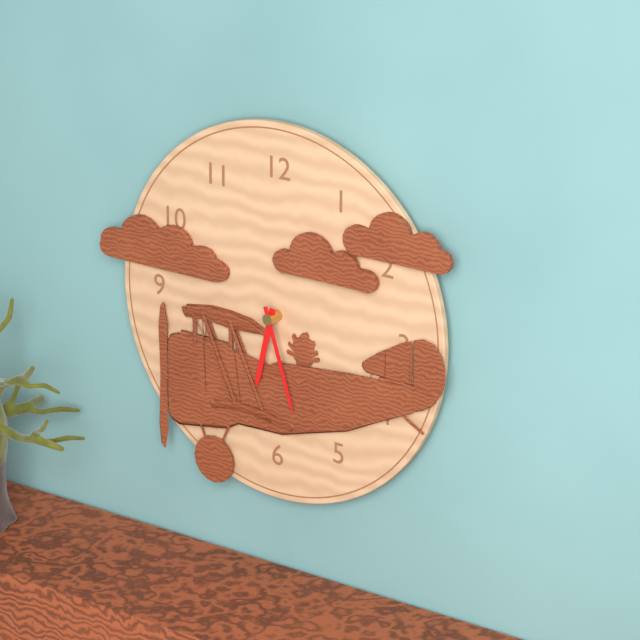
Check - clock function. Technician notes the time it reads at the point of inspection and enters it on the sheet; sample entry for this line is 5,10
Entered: 6,27
